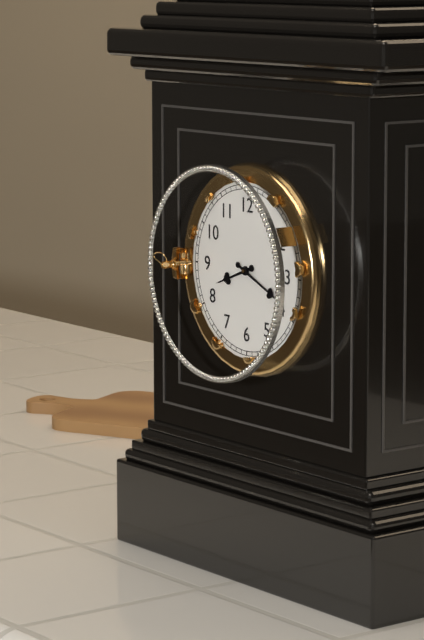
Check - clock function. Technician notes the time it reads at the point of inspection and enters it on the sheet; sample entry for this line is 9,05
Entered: 8,19
